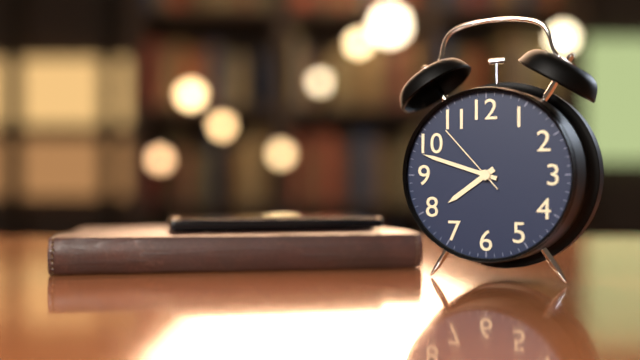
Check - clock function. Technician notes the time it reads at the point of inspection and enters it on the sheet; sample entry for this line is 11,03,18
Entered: 7,48,53
